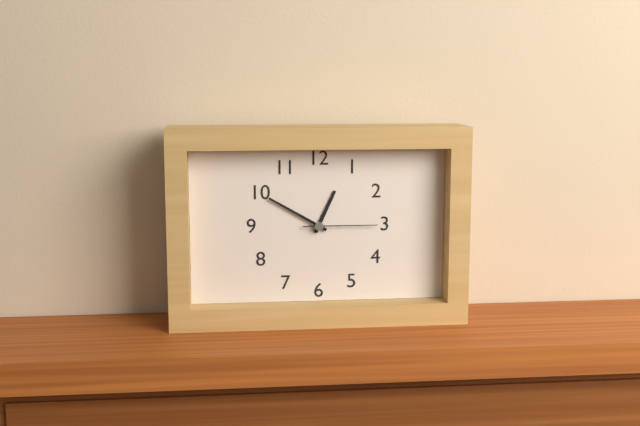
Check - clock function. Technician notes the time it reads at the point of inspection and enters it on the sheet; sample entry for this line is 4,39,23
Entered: 12,50,15
